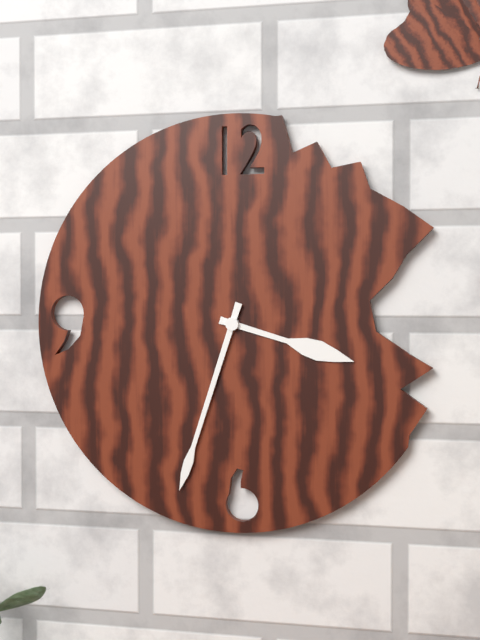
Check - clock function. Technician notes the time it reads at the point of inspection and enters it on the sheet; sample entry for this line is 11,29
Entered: 3,33
